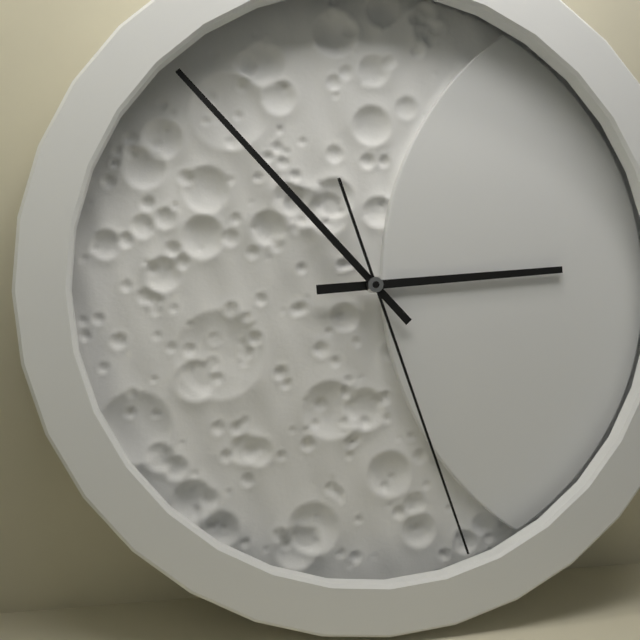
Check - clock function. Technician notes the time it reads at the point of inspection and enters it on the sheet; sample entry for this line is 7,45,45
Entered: 2,53,27
